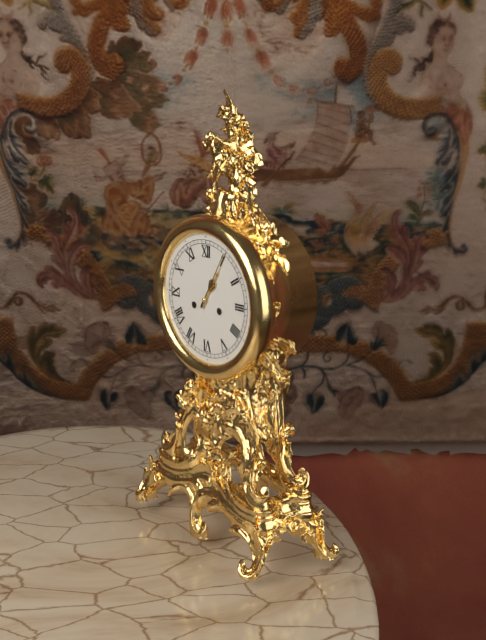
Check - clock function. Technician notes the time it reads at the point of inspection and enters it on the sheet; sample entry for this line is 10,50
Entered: 1,05
